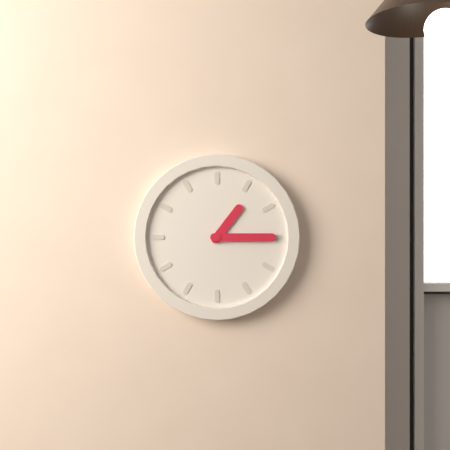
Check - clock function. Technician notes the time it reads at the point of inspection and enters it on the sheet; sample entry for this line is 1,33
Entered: 1,15
